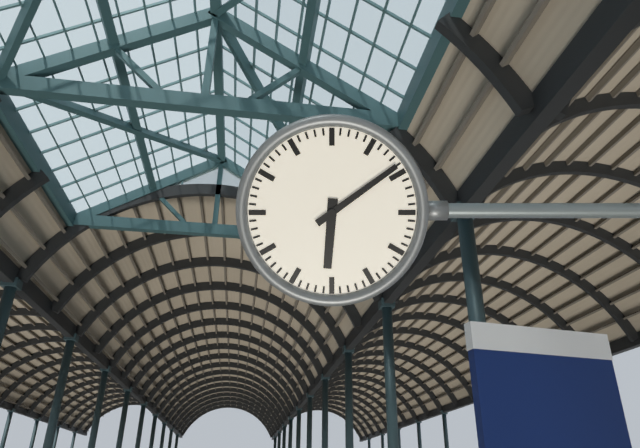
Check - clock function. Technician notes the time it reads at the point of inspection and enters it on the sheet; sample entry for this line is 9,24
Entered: 6,09
